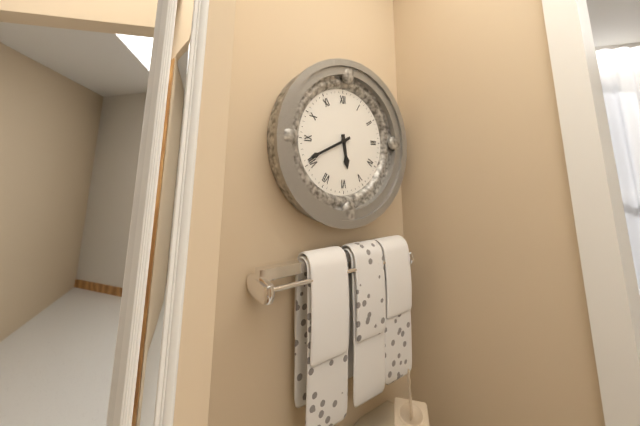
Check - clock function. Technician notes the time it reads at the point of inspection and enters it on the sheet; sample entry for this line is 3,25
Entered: 5,41
